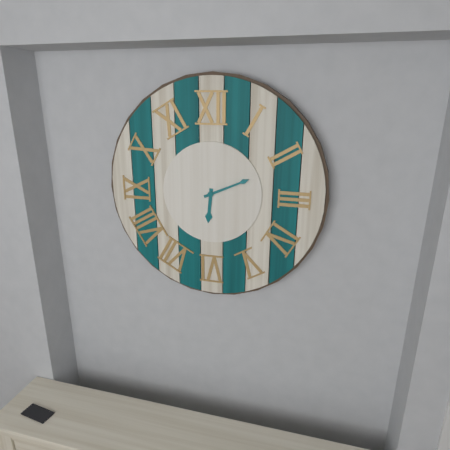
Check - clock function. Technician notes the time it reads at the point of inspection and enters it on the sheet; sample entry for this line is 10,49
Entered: 6,11
